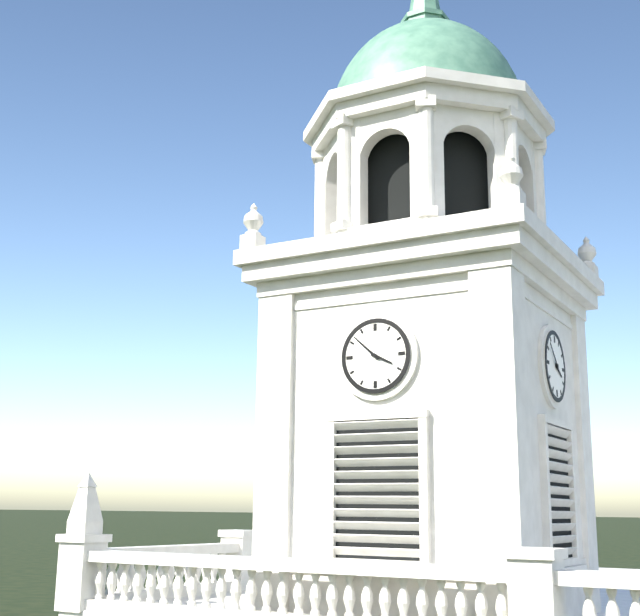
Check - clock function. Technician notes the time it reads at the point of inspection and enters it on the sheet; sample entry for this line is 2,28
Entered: 3,52
